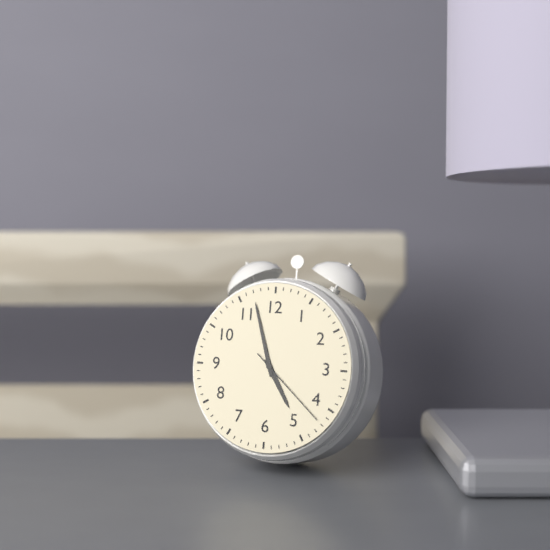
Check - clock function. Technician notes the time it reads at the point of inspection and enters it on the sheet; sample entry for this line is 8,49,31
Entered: 4,57,22
